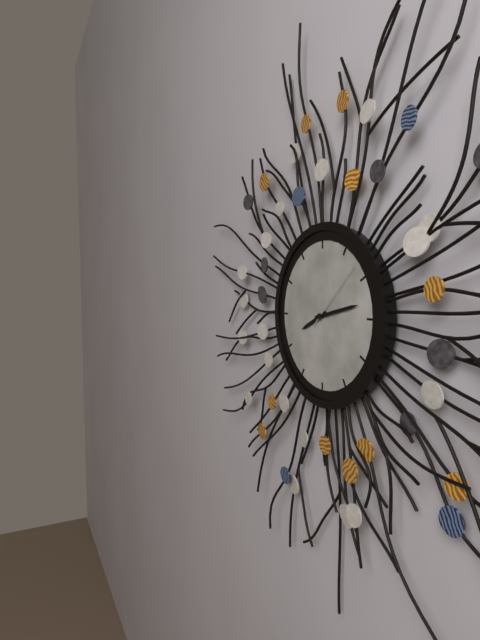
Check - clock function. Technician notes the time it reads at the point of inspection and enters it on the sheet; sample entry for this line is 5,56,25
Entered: 8,13,08
